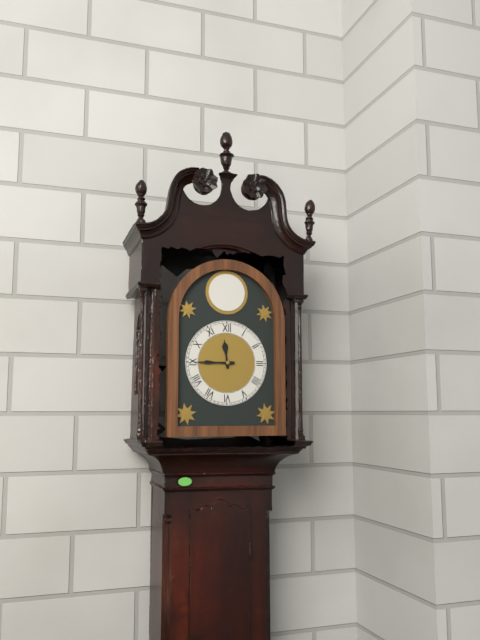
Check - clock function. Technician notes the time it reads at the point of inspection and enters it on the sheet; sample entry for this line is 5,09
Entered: 11,45
